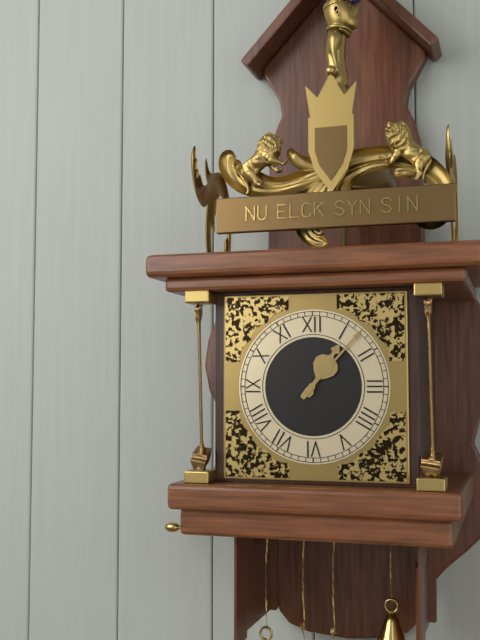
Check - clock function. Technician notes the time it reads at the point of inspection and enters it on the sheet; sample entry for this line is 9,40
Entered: 1,07
